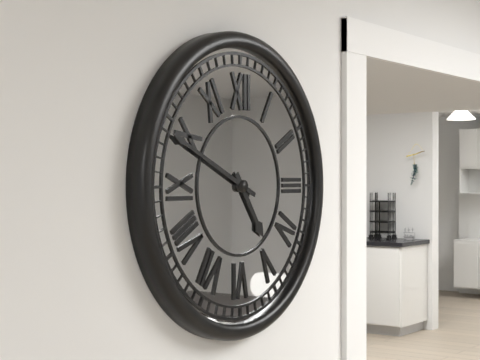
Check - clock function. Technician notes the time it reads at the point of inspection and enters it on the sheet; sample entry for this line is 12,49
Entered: 4,49
